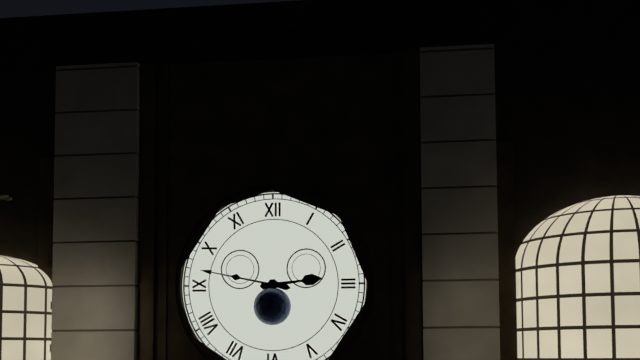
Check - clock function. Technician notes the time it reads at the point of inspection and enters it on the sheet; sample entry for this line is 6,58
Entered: 2,47
